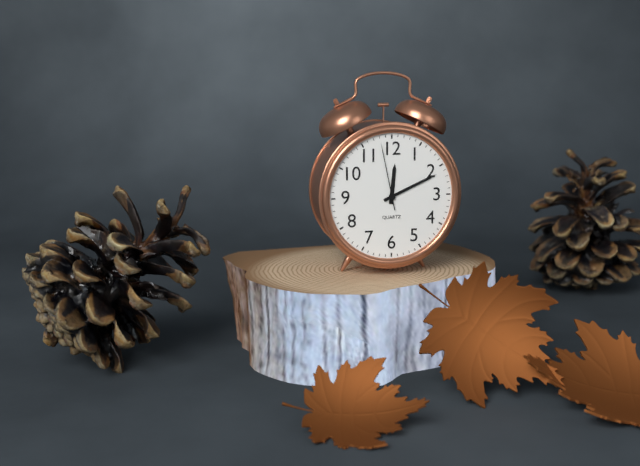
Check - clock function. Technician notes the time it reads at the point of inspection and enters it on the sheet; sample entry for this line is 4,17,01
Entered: 12,11,58
